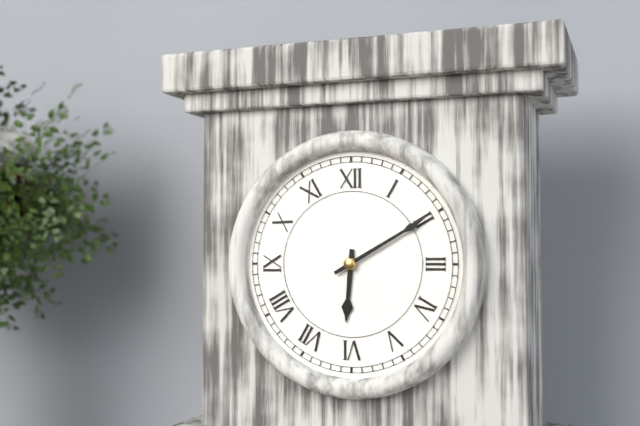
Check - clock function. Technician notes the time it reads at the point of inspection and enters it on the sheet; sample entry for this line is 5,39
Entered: 6,10
